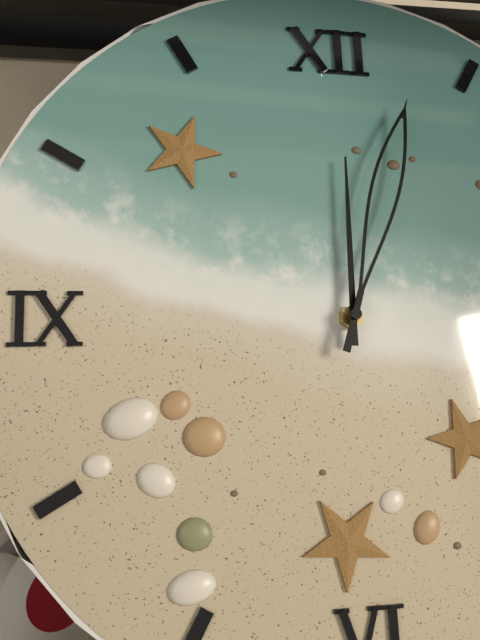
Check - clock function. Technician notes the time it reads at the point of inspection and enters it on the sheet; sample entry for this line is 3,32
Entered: 12,03
